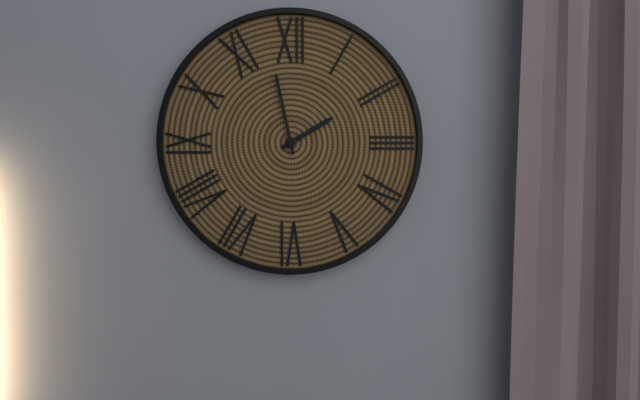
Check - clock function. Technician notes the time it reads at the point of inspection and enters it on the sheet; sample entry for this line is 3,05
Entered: 1,58
